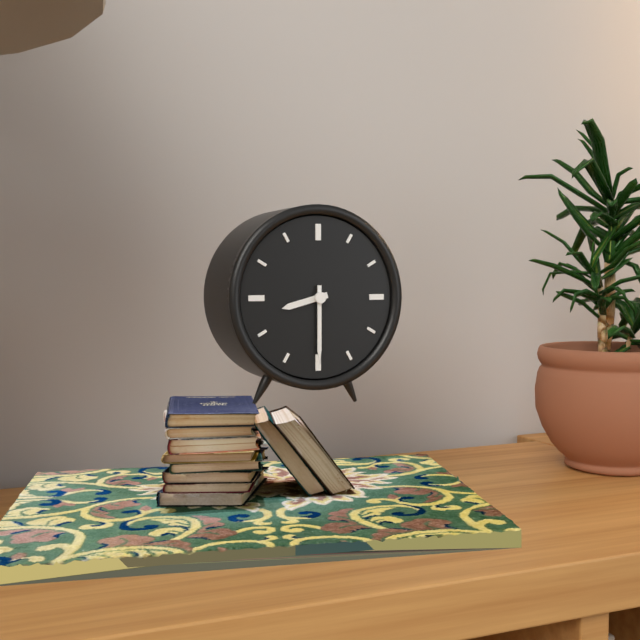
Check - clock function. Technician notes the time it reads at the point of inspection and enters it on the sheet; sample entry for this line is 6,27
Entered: 8,30
